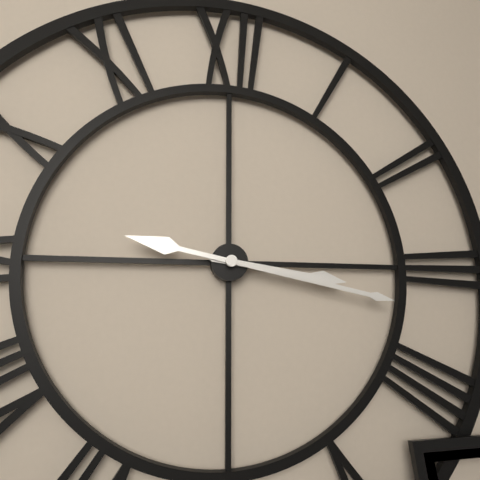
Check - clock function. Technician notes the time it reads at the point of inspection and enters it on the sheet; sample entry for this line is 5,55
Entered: 3,17
